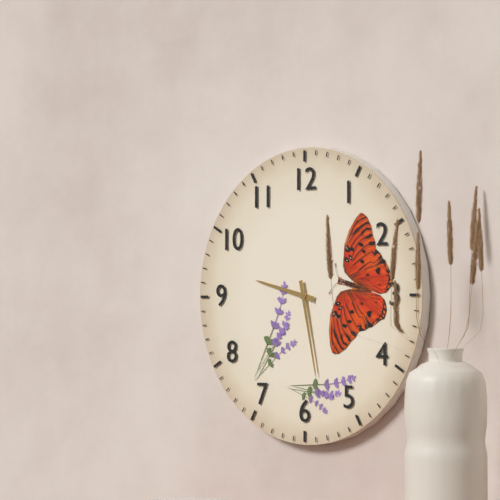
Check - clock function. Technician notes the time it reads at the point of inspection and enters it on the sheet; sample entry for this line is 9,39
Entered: 9,28
